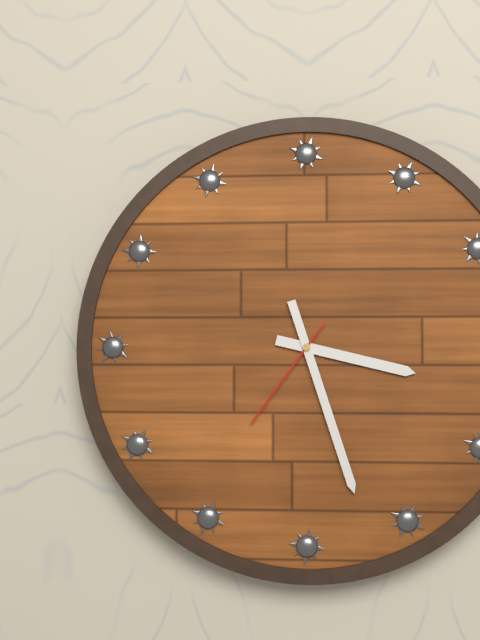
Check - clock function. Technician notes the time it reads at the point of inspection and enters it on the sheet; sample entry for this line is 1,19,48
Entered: 3,27,36
